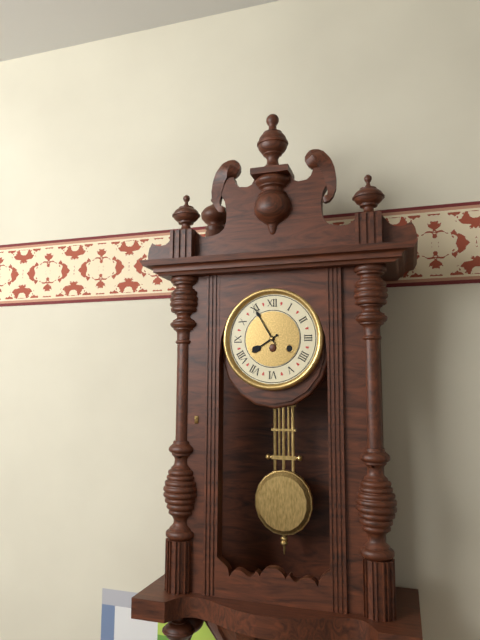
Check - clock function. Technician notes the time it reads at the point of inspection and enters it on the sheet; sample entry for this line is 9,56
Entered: 7,55
